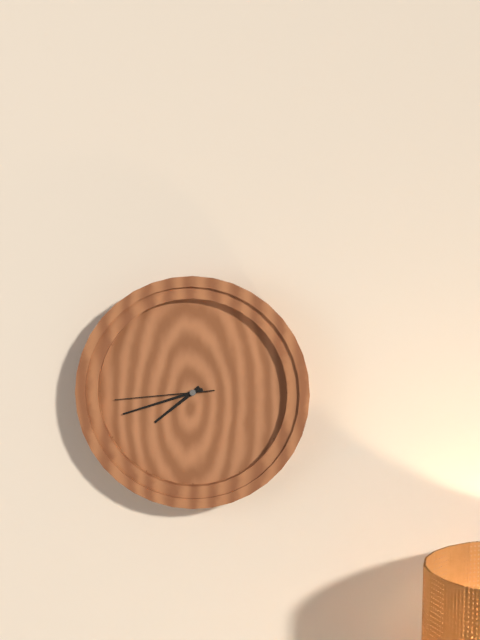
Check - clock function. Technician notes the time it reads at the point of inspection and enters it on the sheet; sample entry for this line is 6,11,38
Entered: 7,42,44
